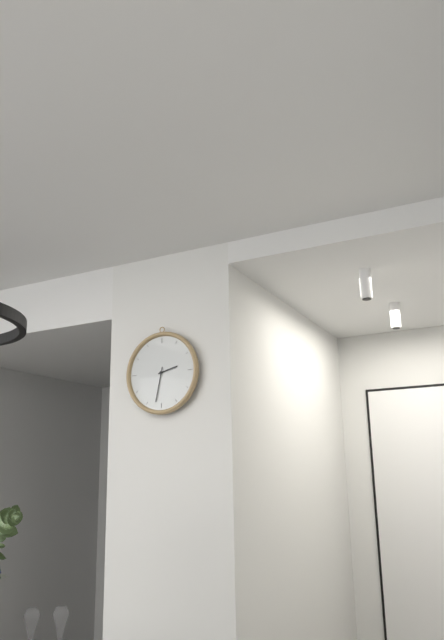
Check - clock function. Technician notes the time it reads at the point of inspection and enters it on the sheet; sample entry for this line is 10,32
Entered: 2,32
